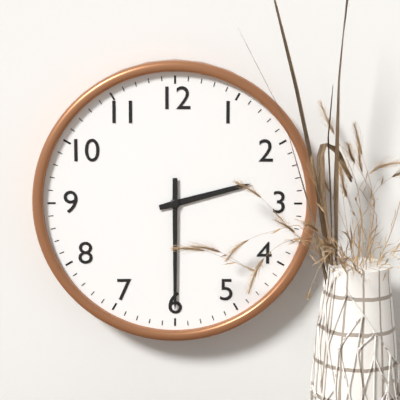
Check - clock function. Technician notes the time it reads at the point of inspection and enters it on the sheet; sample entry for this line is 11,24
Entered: 2,30
